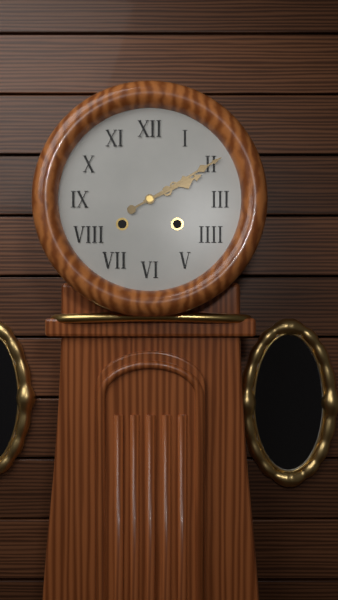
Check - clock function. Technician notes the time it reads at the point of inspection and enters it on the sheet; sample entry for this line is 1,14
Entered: 2,10
